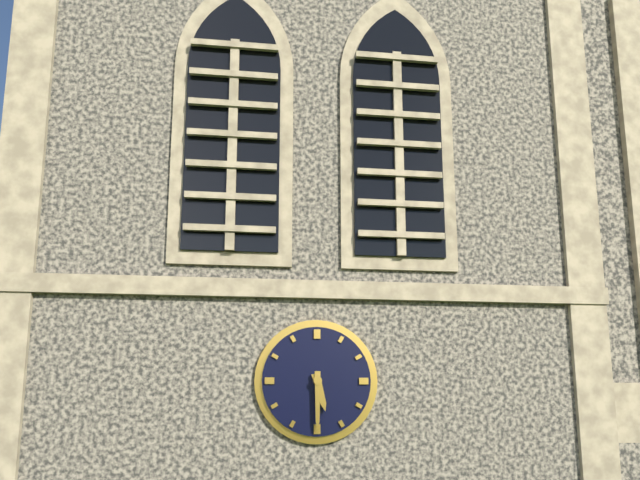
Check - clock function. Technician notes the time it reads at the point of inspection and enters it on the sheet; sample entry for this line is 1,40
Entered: 5,30
